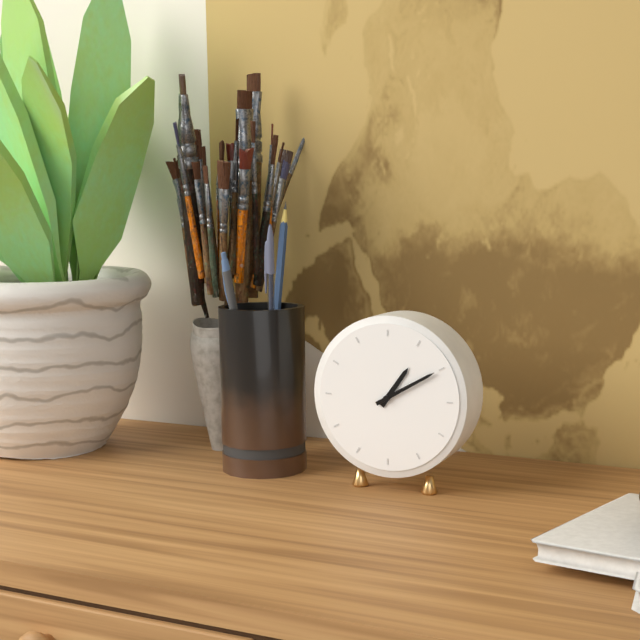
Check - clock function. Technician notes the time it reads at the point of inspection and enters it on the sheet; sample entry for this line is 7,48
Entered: 1,10
